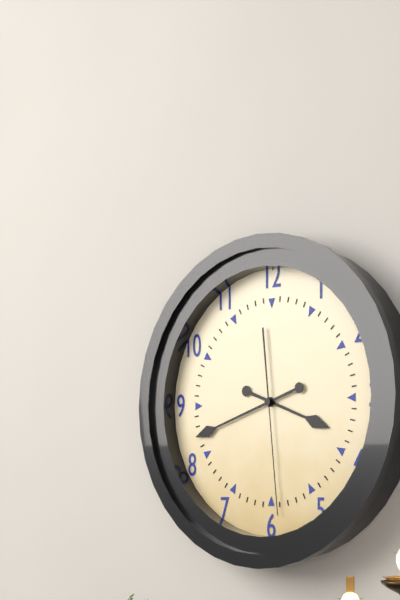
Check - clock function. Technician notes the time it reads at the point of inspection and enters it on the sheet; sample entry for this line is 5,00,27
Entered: 3,42,29
